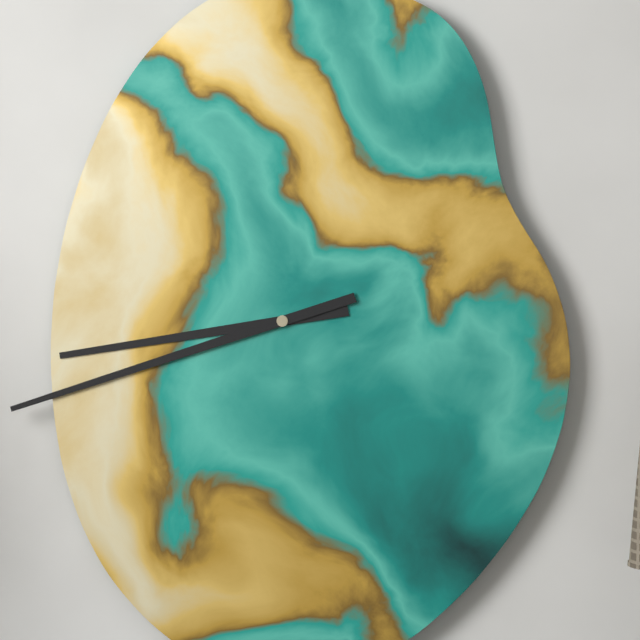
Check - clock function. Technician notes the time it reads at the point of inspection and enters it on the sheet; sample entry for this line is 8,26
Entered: 8,42
